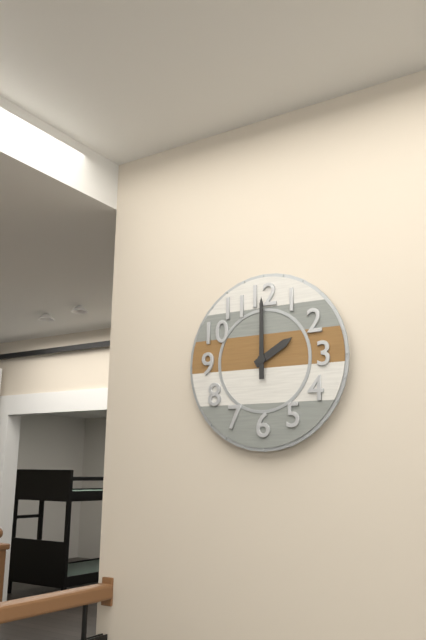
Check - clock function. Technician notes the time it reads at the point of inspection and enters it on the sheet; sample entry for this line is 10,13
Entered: 2,00
